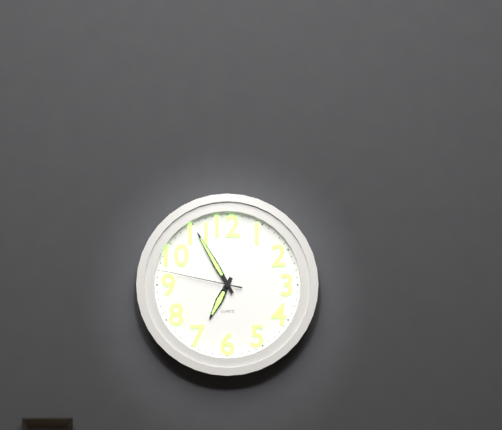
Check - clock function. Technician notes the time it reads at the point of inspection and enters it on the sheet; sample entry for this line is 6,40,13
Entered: 6,55,47
